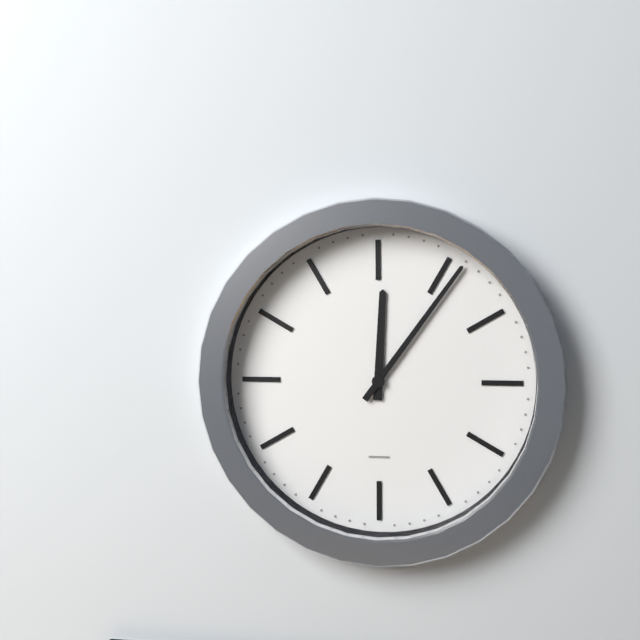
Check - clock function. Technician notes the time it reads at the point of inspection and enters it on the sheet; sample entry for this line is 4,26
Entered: 12,06
